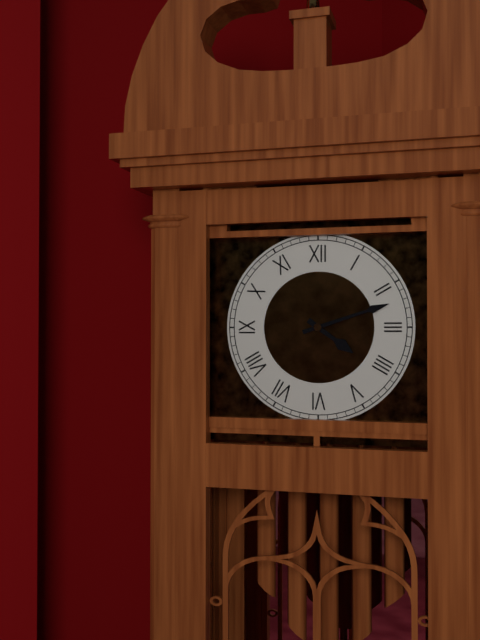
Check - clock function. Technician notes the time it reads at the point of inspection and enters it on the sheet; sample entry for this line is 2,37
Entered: 4,12
